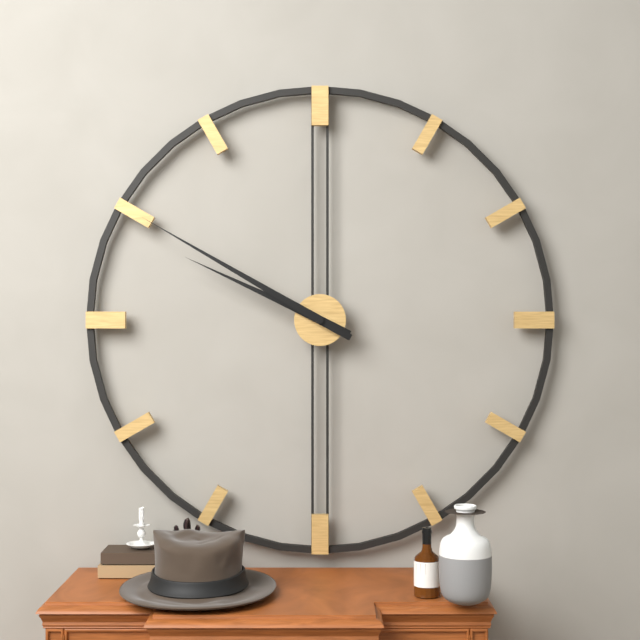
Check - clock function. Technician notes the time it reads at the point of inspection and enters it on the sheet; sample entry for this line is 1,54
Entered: 9,50
